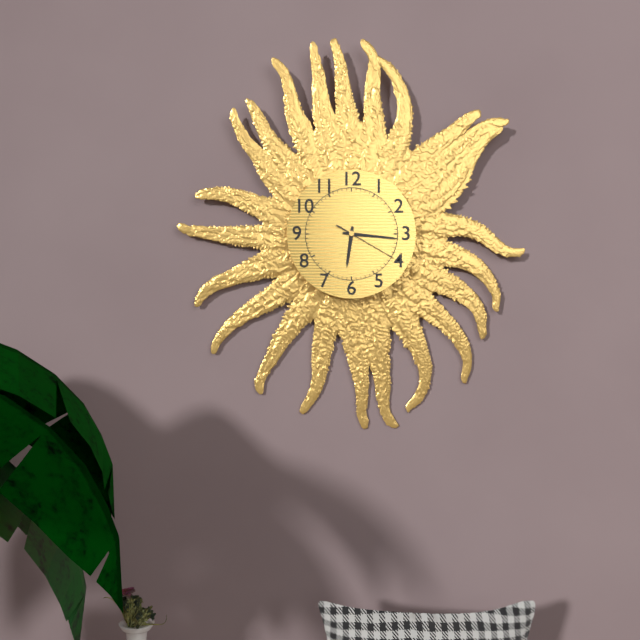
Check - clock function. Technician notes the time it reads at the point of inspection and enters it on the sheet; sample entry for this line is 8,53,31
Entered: 6,16,20
